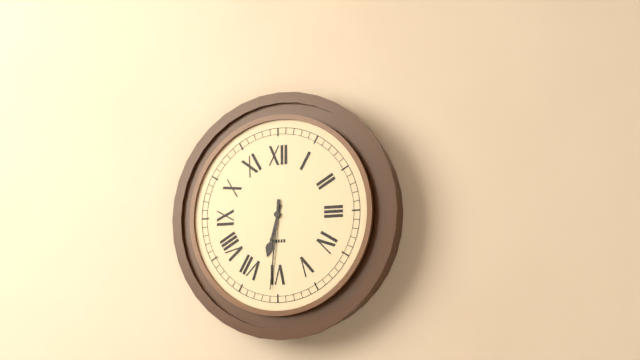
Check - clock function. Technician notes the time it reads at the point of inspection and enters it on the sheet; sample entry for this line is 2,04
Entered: 6,31
